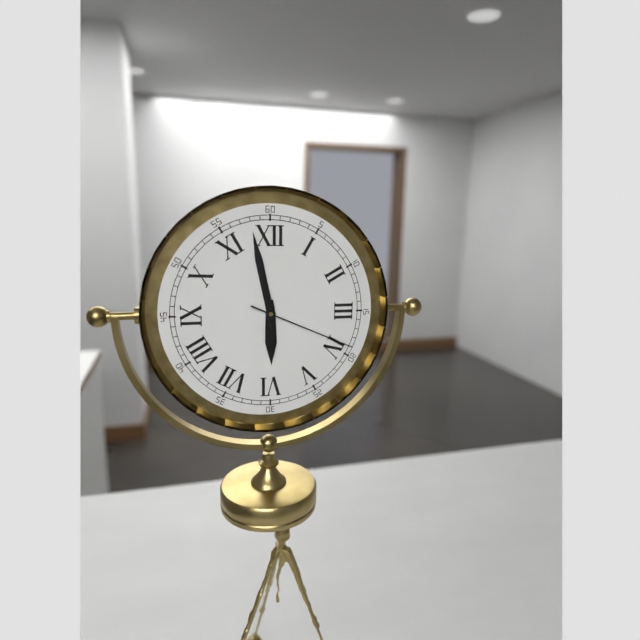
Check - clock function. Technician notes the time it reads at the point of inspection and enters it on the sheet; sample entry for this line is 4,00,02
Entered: 5,58,19
